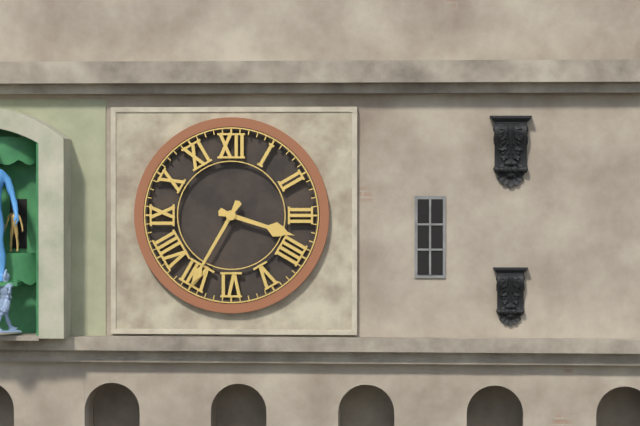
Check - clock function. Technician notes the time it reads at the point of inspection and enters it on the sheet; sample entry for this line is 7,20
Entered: 3,35
